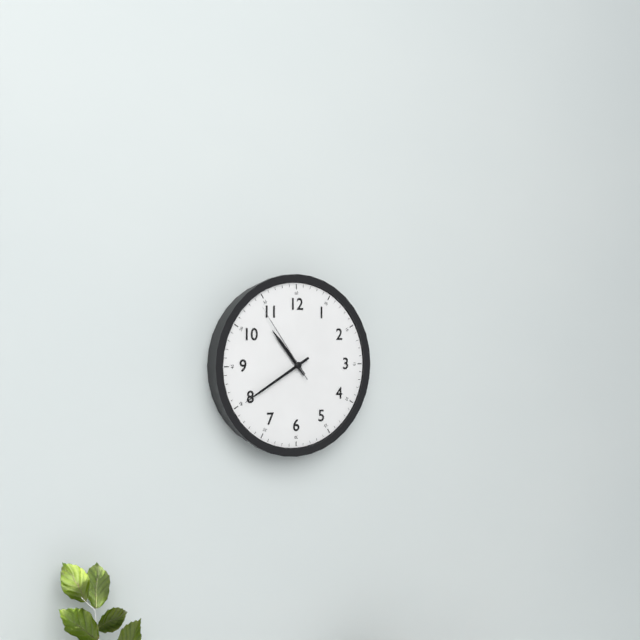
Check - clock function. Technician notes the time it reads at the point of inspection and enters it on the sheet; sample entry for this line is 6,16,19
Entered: 10,40,54
